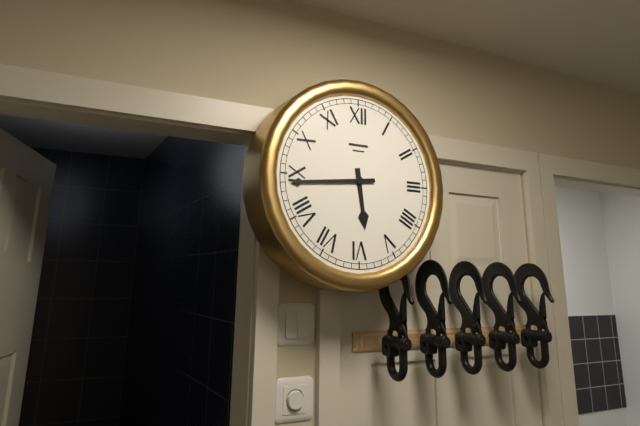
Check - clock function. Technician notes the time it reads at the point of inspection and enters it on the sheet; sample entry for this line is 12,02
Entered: 5,44
